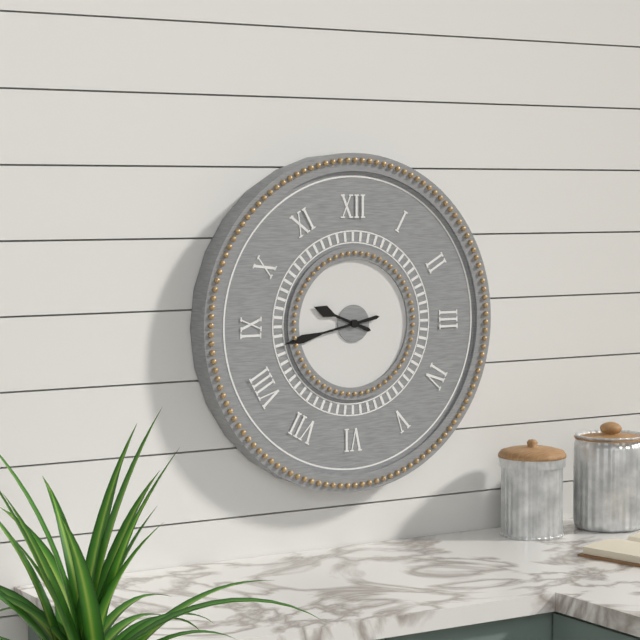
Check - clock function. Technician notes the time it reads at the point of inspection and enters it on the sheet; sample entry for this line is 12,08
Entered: 9,43
